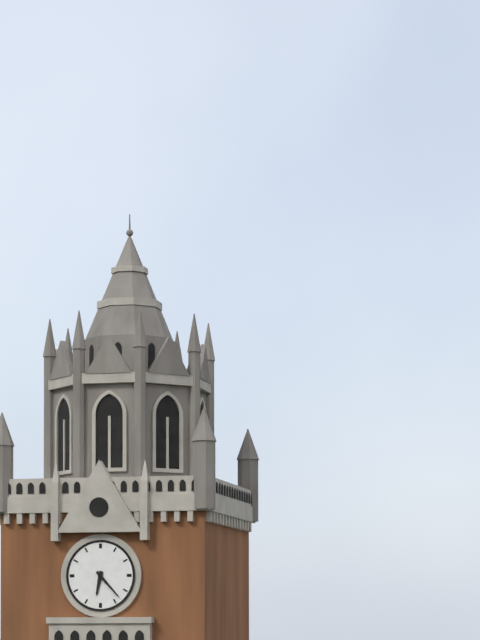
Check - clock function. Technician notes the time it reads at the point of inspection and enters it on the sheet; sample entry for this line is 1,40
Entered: 6,23
